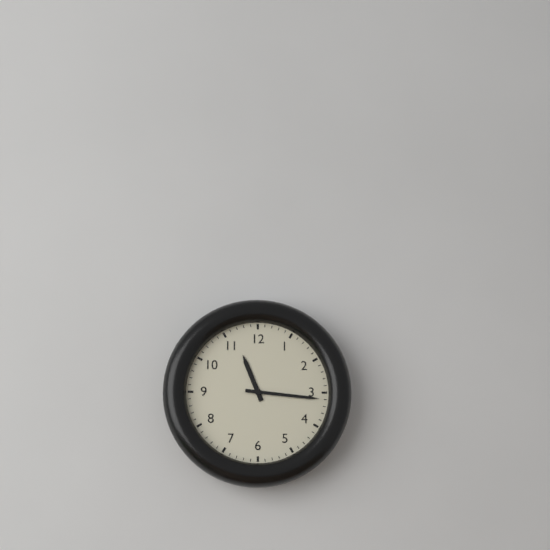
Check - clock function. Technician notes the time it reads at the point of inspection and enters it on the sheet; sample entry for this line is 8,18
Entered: 11,16
